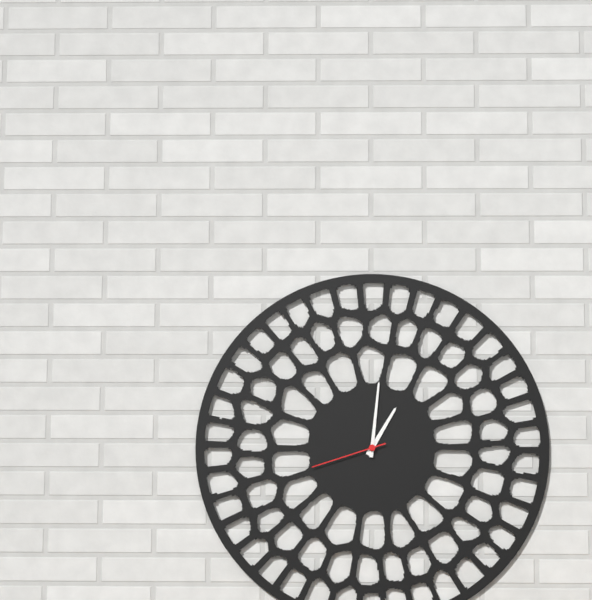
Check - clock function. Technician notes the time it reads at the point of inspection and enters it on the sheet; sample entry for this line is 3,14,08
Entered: 1,01,42
